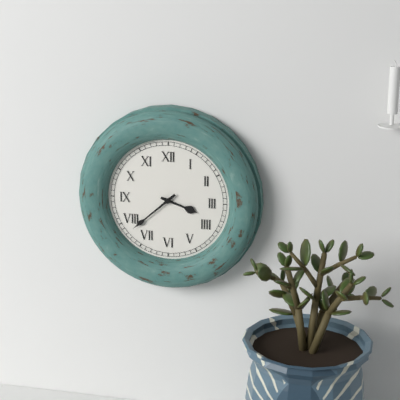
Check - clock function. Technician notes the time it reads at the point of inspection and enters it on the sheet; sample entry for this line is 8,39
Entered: 3,38
